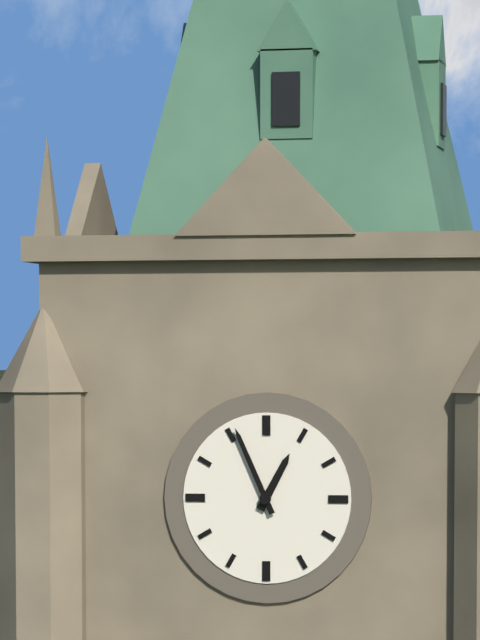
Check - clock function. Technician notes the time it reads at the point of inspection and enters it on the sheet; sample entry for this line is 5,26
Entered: 12,56
